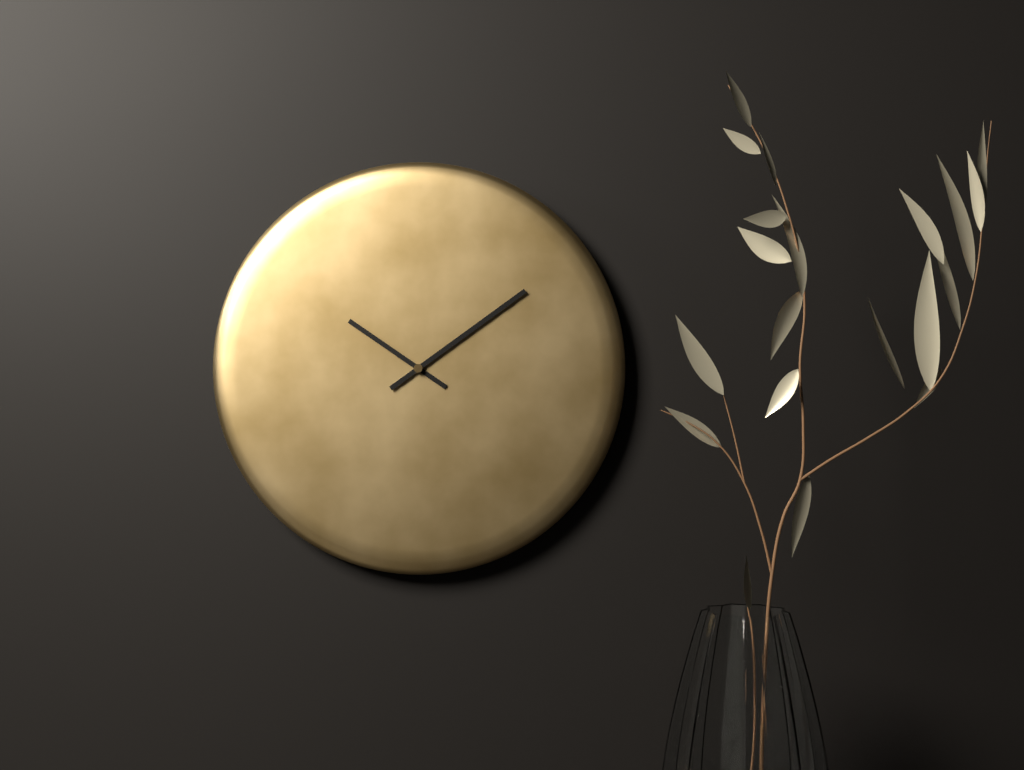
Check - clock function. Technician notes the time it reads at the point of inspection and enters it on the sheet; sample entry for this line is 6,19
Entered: 10,09
